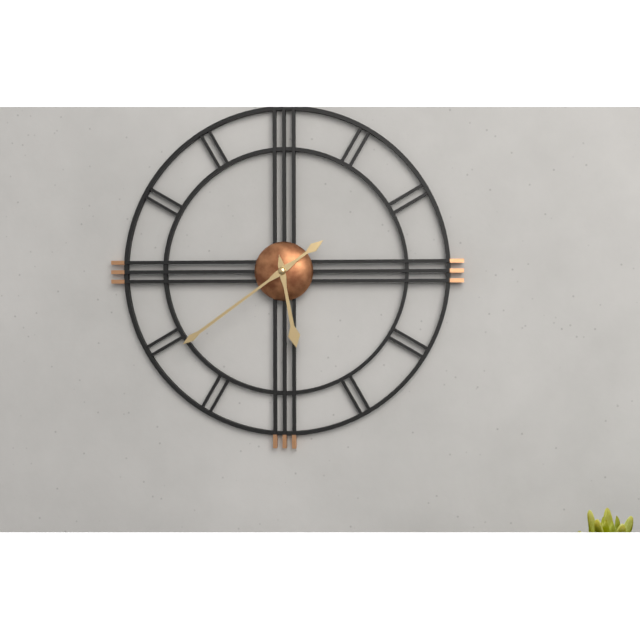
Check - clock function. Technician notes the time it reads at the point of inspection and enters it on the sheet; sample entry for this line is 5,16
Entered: 5,39
